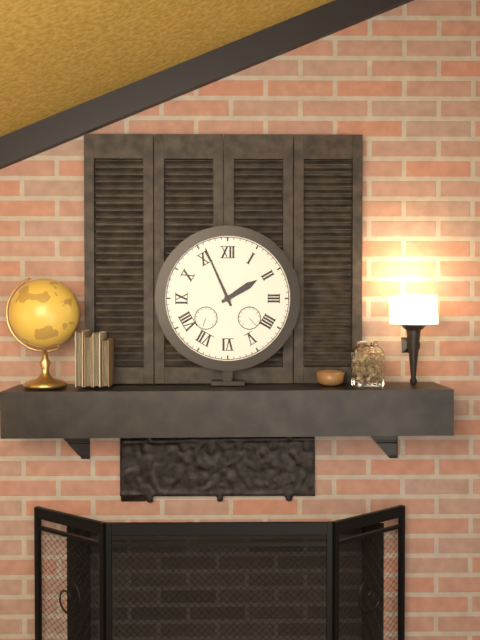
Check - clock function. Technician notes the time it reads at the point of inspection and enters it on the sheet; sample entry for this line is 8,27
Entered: 1,56
